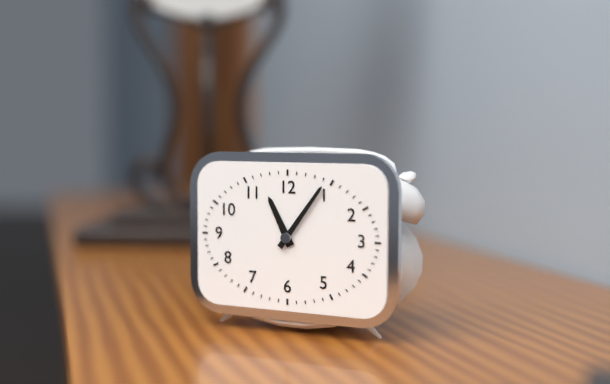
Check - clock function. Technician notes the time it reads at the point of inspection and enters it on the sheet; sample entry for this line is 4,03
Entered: 11,06
